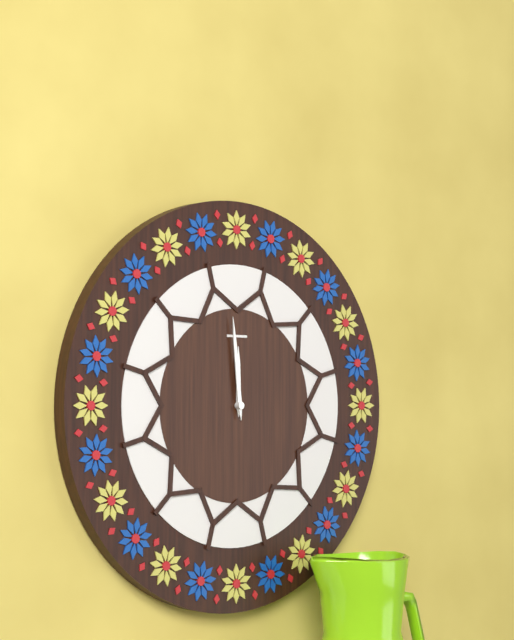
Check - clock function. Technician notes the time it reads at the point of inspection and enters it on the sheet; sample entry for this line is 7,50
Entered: 11,59
